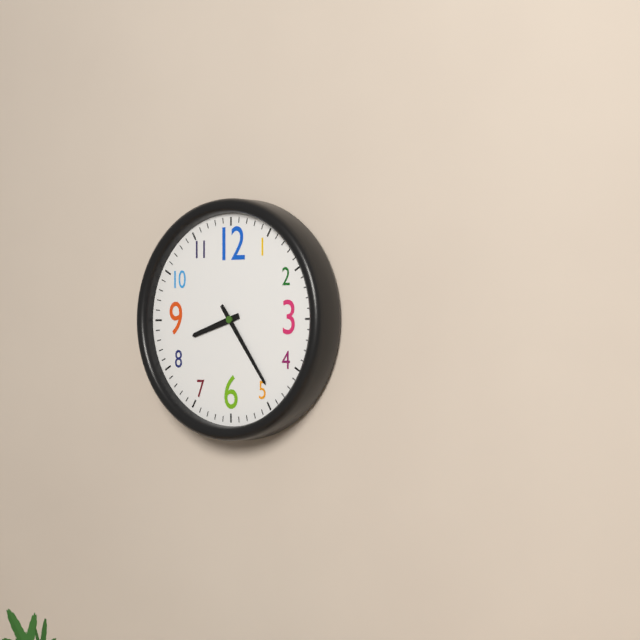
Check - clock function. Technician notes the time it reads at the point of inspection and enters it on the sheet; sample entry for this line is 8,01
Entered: 8,24
